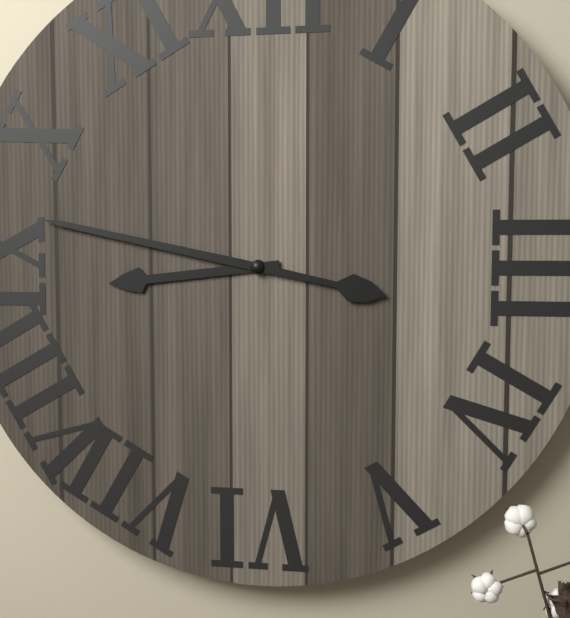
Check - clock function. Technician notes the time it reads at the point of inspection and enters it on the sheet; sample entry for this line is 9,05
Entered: 8,47
